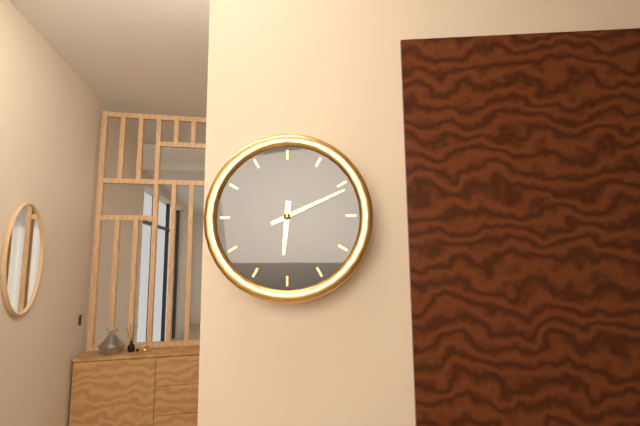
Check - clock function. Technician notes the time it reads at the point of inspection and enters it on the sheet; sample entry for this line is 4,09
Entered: 6,11
